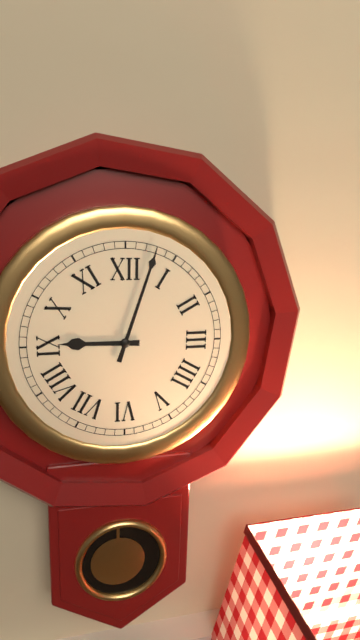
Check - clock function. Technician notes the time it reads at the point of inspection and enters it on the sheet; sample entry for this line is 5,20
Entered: 9,03
